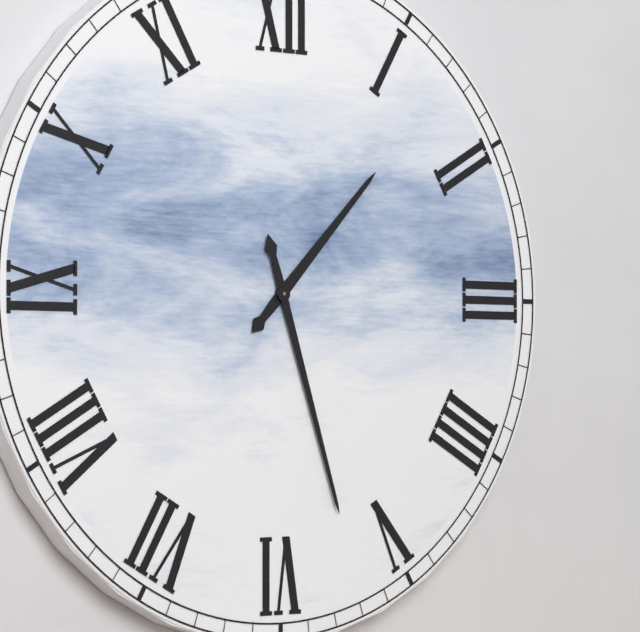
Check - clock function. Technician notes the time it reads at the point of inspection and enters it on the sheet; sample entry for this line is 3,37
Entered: 1,27
